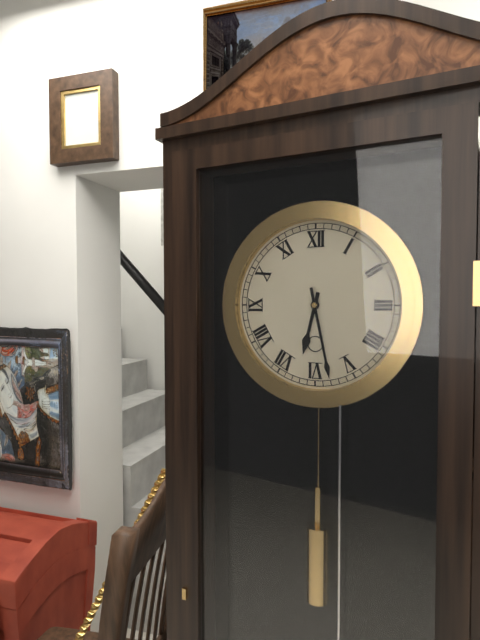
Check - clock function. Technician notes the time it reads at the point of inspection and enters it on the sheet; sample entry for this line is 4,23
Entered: 6,28
